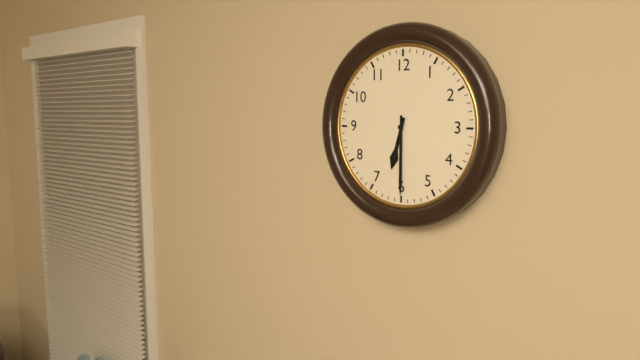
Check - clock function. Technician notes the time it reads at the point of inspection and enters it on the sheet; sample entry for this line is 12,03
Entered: 6,30
